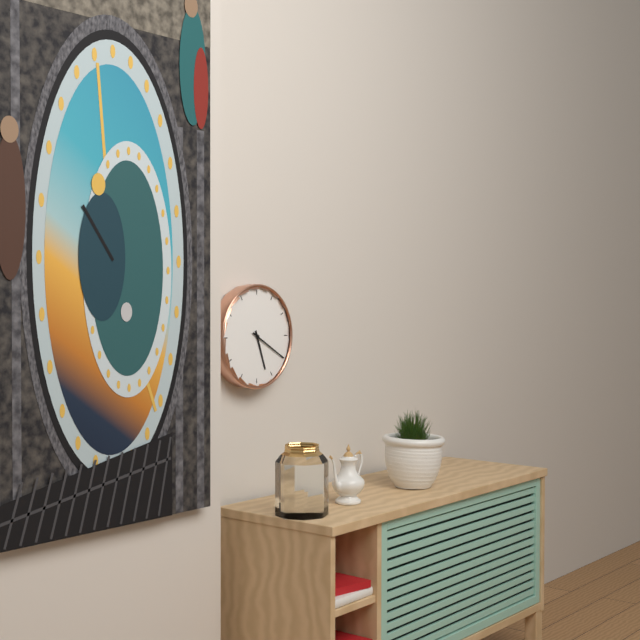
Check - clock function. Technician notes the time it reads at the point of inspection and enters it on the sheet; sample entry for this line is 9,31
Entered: 5,20
